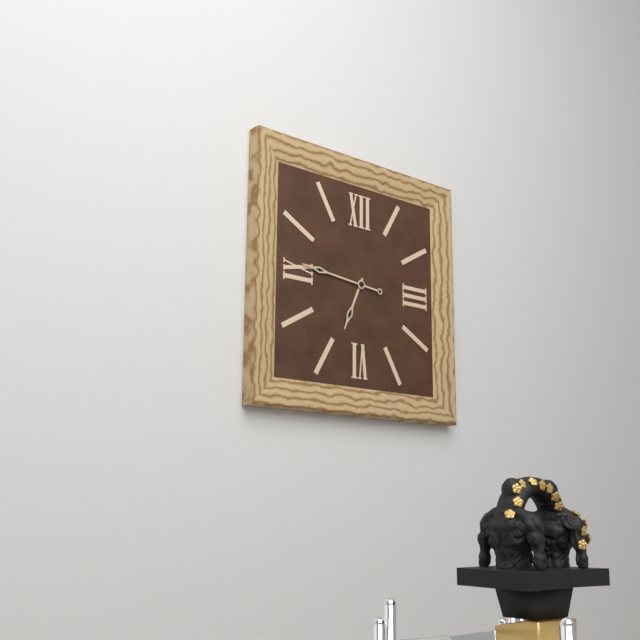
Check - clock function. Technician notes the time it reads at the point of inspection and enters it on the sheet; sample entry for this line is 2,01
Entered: 6,46
